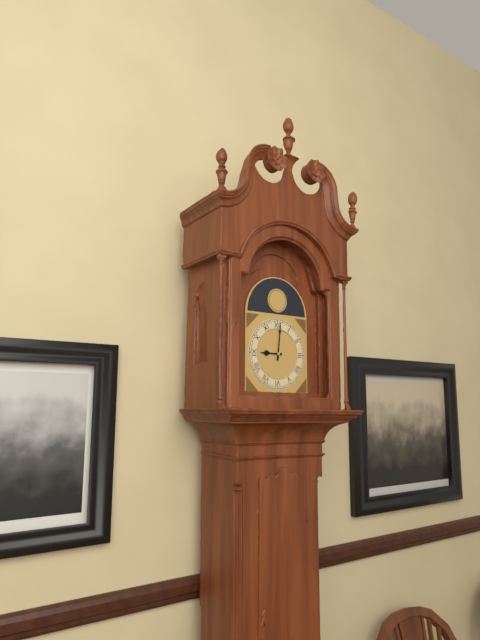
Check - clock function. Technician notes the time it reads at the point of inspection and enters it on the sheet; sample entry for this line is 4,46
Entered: 9,01
